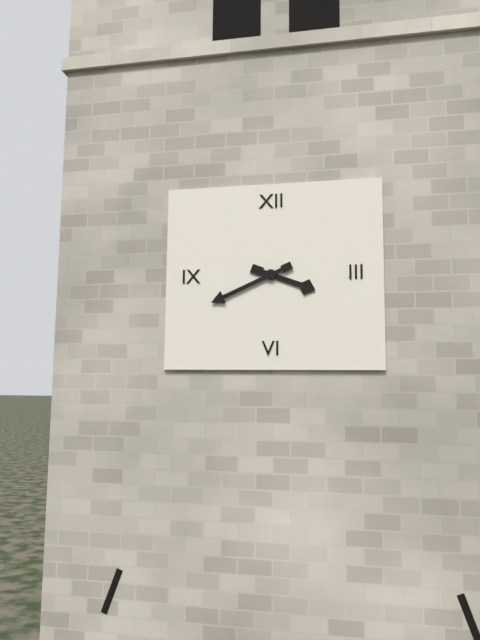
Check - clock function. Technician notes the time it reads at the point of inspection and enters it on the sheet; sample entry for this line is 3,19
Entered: 3,41
